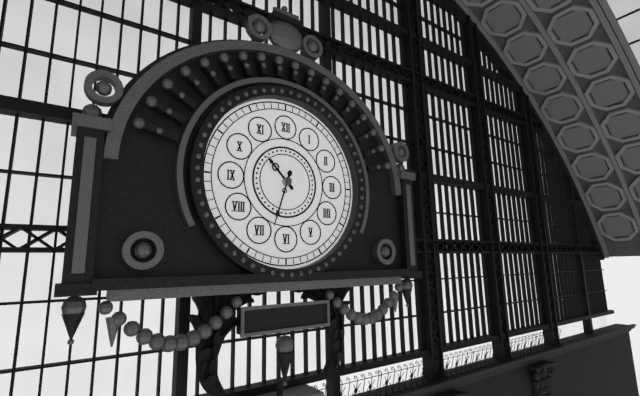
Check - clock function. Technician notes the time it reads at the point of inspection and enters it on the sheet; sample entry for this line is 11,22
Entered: 10,33
